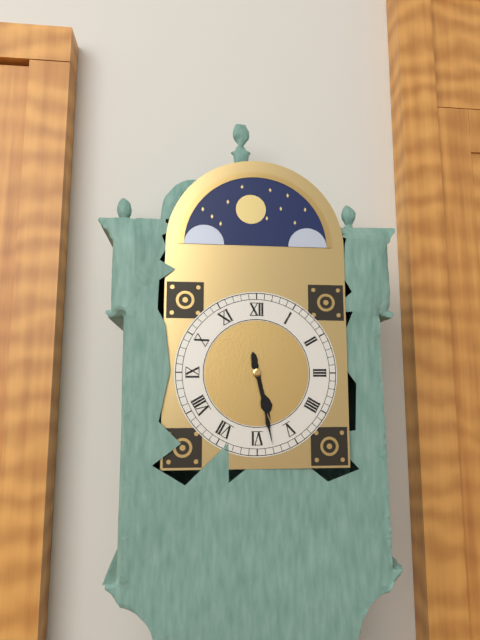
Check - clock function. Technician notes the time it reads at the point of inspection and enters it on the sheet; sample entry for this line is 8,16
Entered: 5,28
